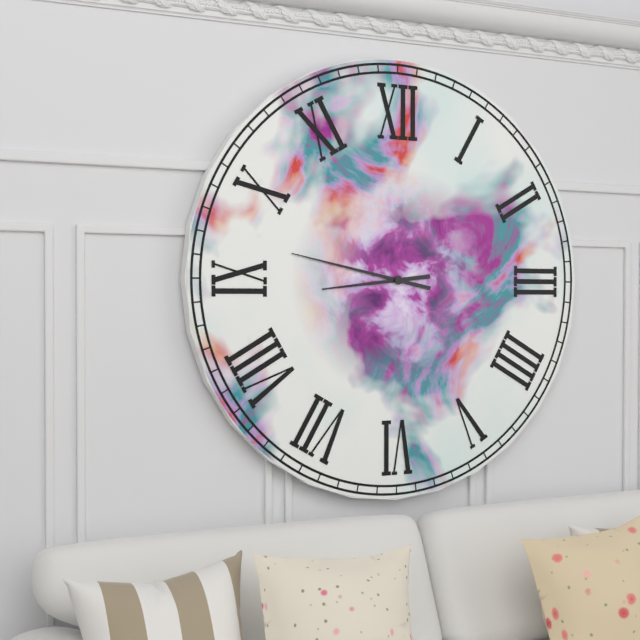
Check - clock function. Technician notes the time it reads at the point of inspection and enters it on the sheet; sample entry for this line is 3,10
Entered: 8,47
